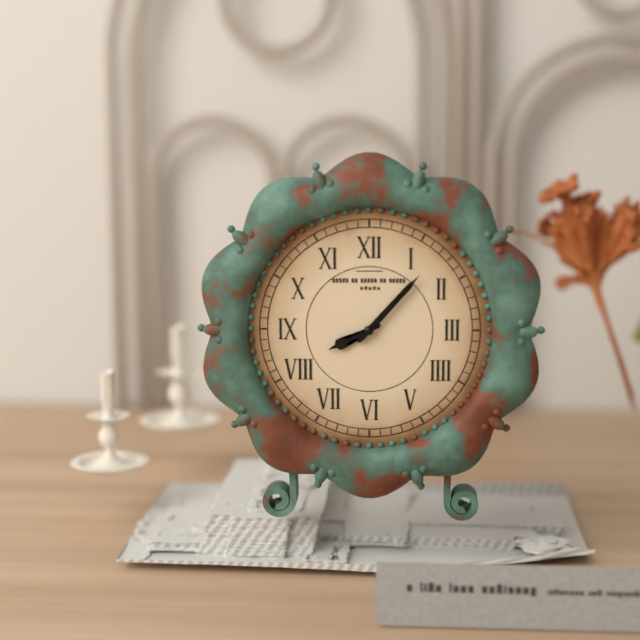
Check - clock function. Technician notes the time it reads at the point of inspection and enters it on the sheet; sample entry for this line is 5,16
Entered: 8,07
